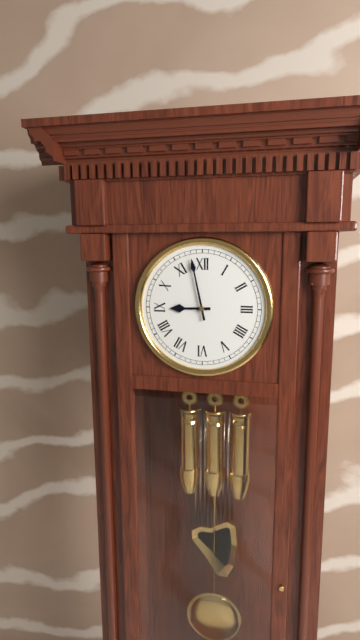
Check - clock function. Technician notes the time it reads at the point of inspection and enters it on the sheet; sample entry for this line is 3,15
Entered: 8,58
